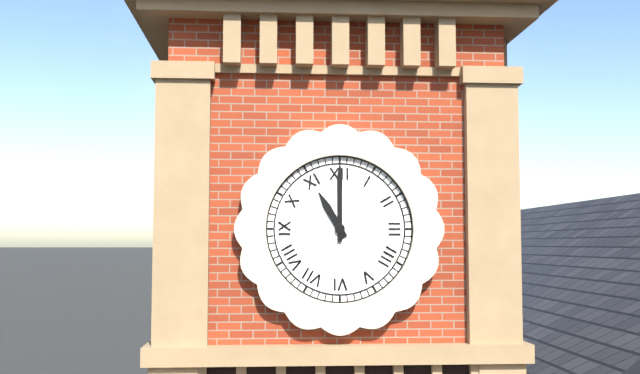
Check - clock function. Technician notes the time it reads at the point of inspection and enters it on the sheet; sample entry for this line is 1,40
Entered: 11,00
